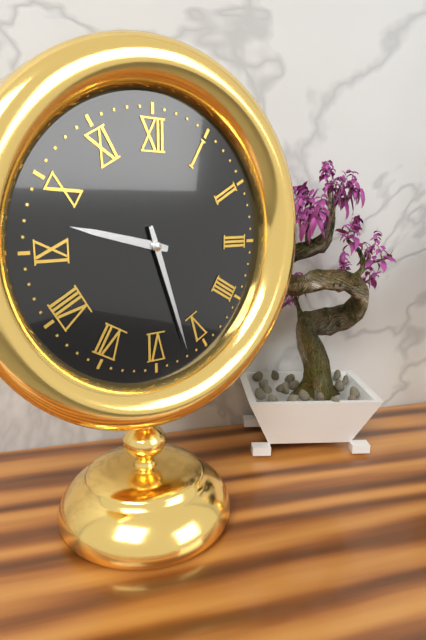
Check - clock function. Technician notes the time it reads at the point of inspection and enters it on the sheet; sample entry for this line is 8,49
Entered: 9,27
